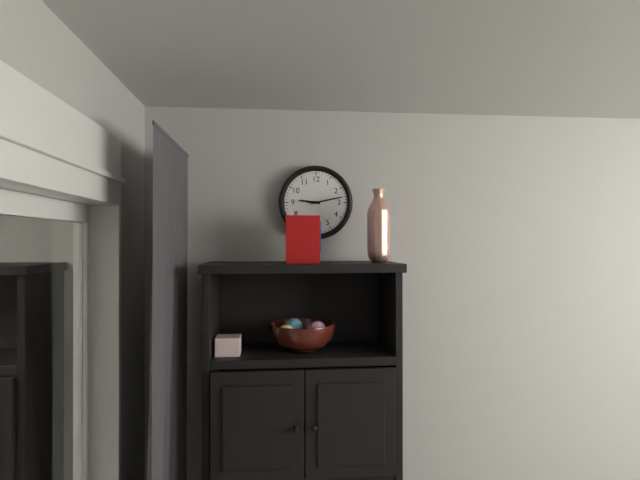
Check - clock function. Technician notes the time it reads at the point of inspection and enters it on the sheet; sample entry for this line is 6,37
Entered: 9,13
